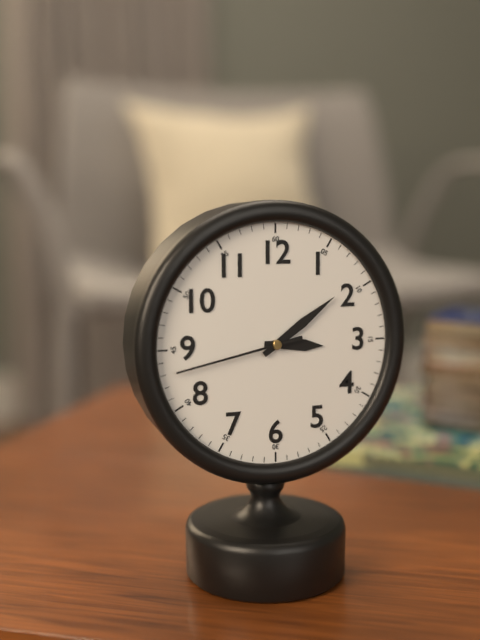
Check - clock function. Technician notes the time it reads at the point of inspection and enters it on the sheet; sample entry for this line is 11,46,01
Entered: 3,09,43
